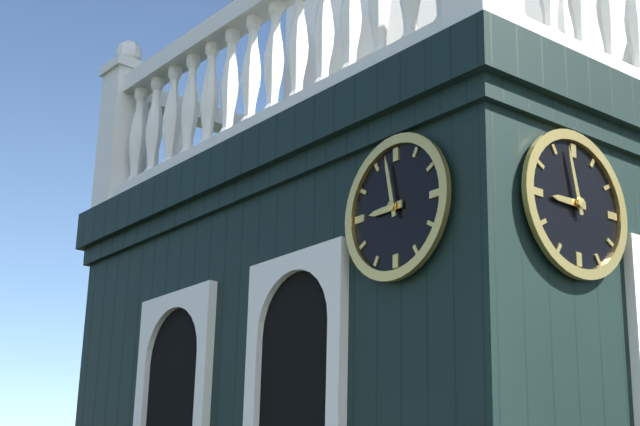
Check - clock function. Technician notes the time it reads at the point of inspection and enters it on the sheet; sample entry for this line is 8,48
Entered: 8,58
